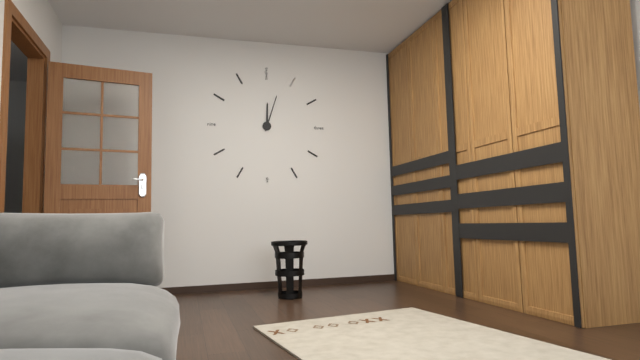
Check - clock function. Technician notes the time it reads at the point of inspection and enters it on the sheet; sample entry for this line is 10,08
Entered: 12,03
